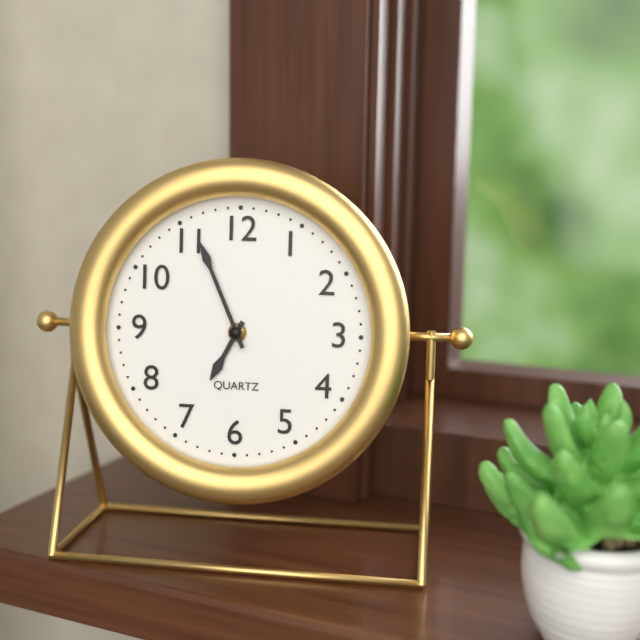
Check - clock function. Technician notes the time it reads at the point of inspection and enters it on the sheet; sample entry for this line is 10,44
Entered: 6,56
